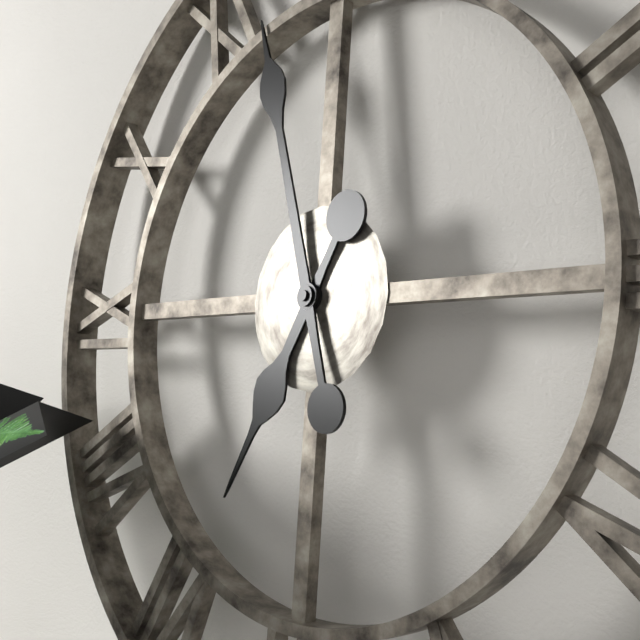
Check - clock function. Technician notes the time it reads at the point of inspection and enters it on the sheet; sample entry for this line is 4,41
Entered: 6,57
